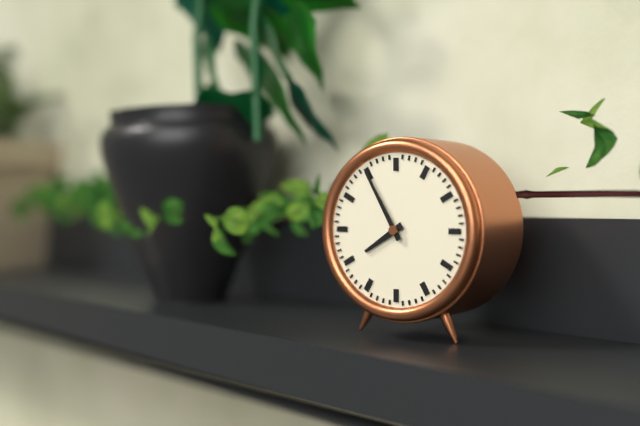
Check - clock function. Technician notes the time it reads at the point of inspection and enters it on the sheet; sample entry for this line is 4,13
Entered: 7,55
